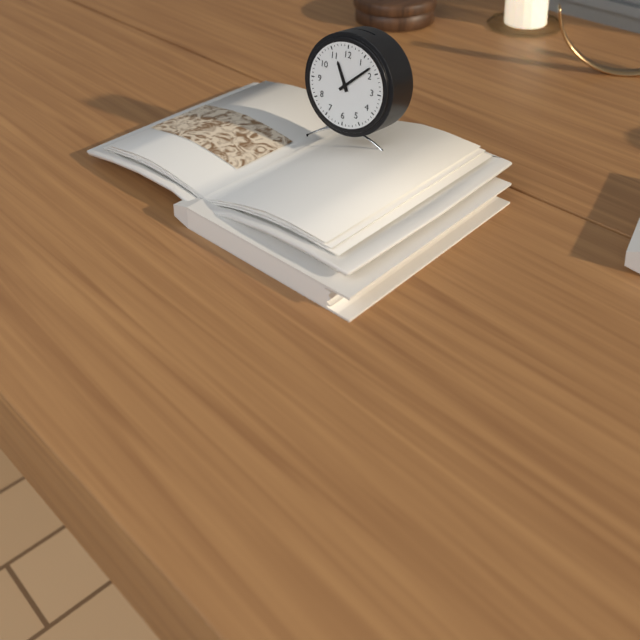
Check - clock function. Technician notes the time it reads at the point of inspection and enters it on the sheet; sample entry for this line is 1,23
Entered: 11,08
